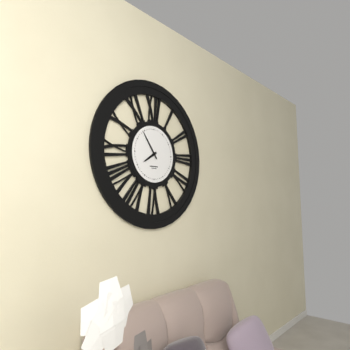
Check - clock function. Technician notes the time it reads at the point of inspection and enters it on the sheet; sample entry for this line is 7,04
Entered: 7,54
